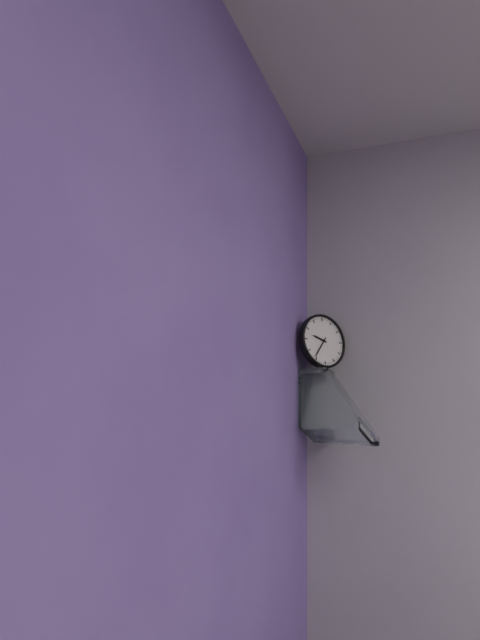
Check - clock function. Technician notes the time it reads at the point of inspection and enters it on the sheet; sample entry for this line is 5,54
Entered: 9,36
